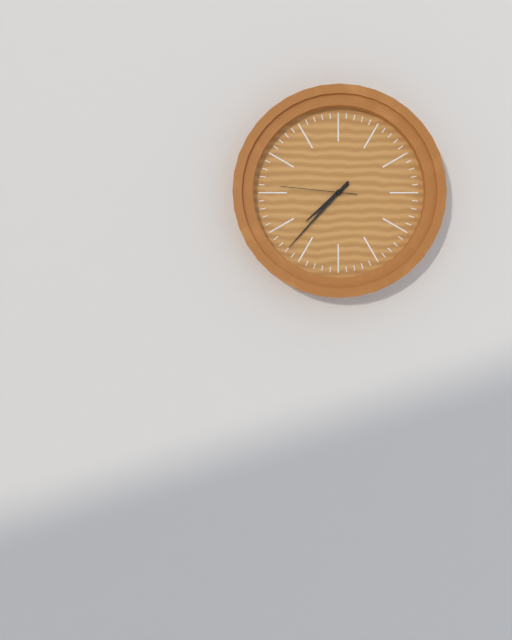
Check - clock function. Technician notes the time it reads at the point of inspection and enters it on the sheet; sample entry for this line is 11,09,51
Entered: 7,37,46
